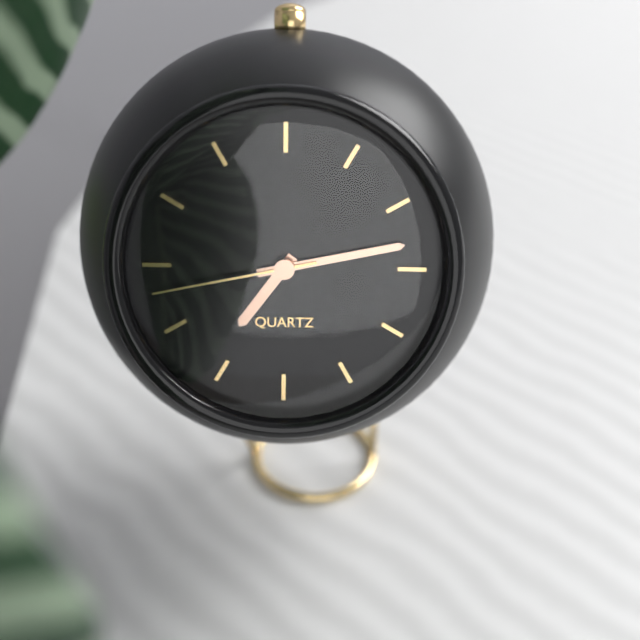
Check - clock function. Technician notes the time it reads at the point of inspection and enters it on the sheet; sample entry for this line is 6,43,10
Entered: 7,13,43
